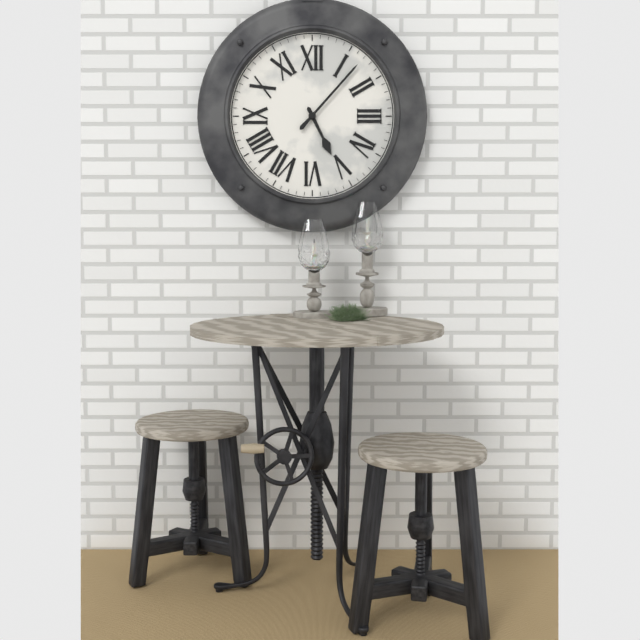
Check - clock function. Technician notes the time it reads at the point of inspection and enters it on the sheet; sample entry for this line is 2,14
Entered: 5,07
